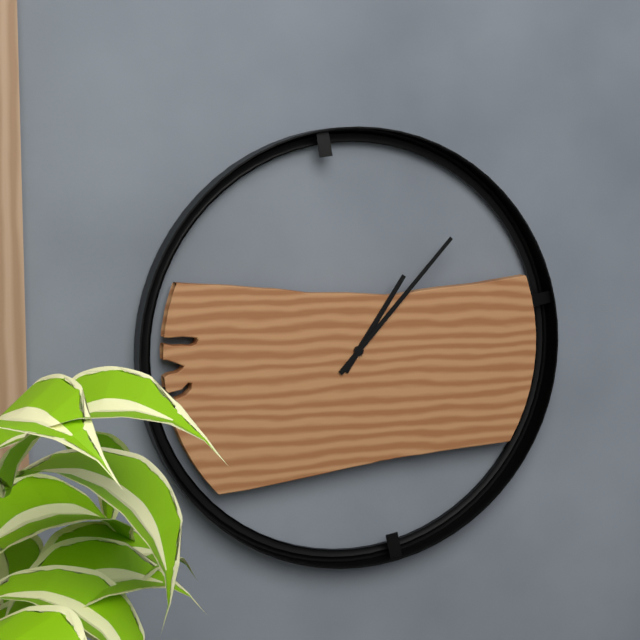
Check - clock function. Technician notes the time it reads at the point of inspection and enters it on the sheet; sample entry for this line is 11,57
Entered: 1,07
